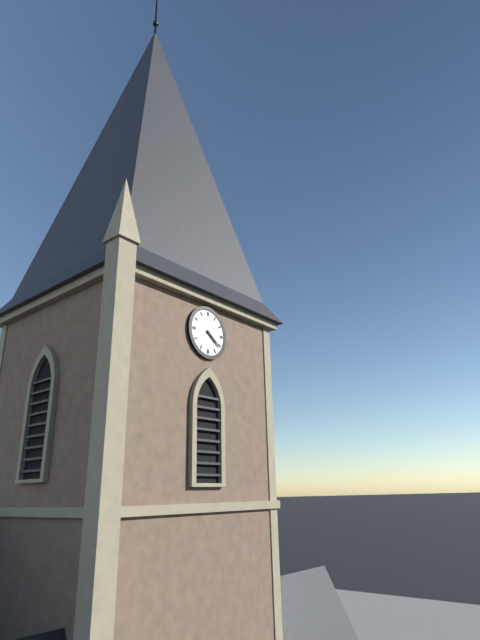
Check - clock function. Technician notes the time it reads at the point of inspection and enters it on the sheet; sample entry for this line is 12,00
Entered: 4,21
